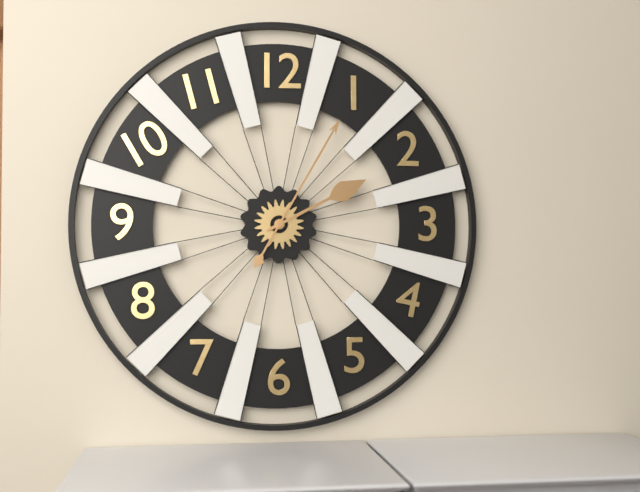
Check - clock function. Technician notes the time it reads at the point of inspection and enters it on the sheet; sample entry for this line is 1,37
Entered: 2,05
